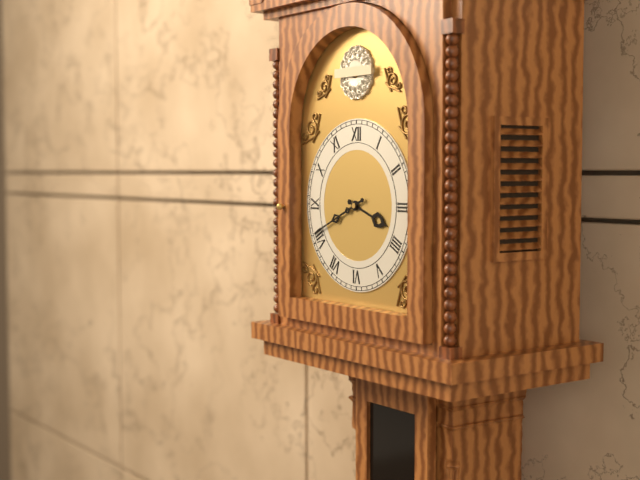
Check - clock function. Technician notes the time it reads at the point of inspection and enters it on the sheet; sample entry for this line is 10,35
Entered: 3,41
